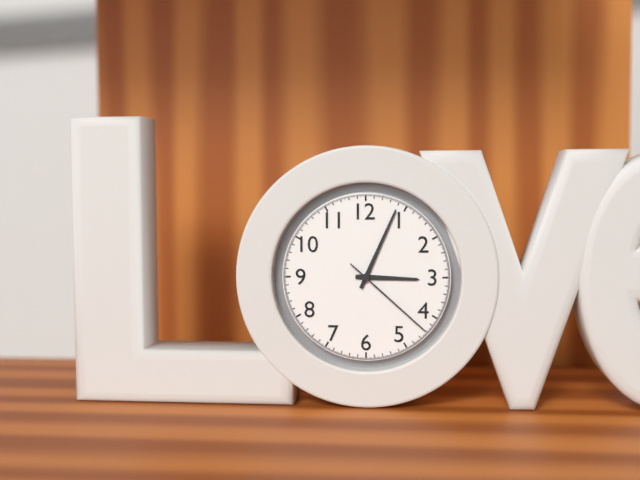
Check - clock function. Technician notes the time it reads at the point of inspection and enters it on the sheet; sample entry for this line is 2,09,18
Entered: 3,04,22
